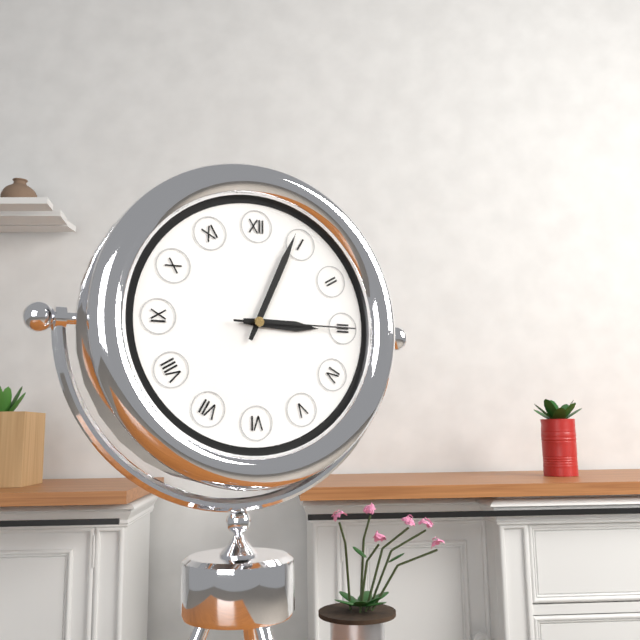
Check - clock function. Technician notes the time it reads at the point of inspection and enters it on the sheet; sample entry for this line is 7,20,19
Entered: 3,04,15
